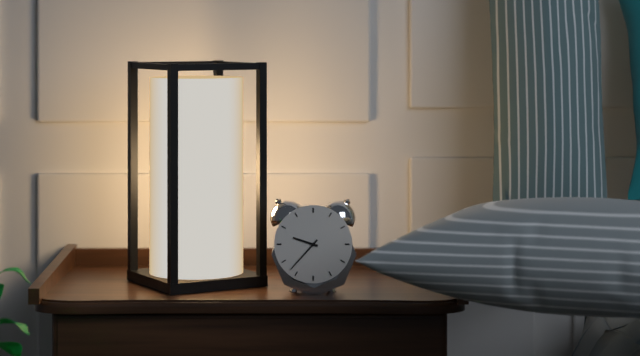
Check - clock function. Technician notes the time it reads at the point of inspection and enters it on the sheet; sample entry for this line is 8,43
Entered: 9,37
